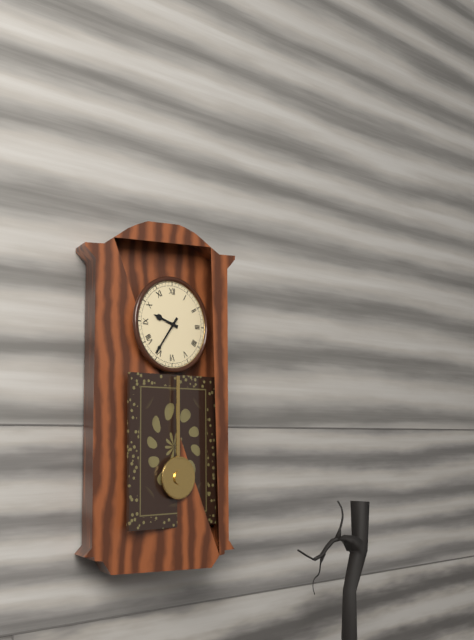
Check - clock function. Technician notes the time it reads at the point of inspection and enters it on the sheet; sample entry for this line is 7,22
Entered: 9,36
